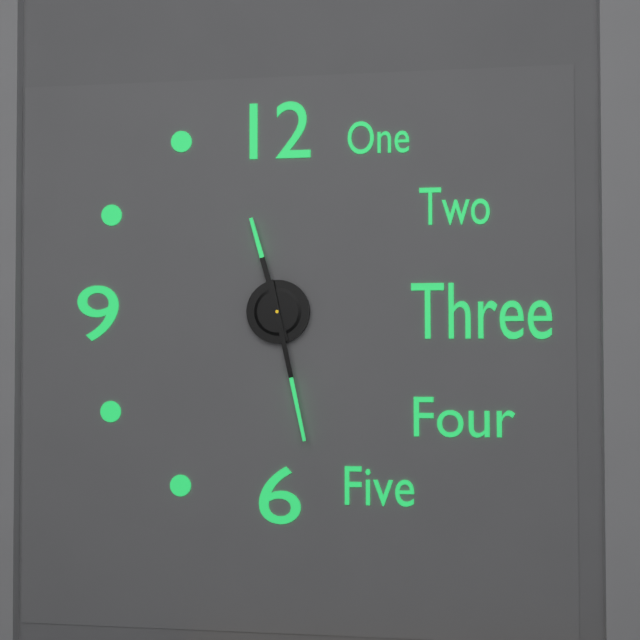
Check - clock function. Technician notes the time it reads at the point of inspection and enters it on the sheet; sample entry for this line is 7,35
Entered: 11,28
